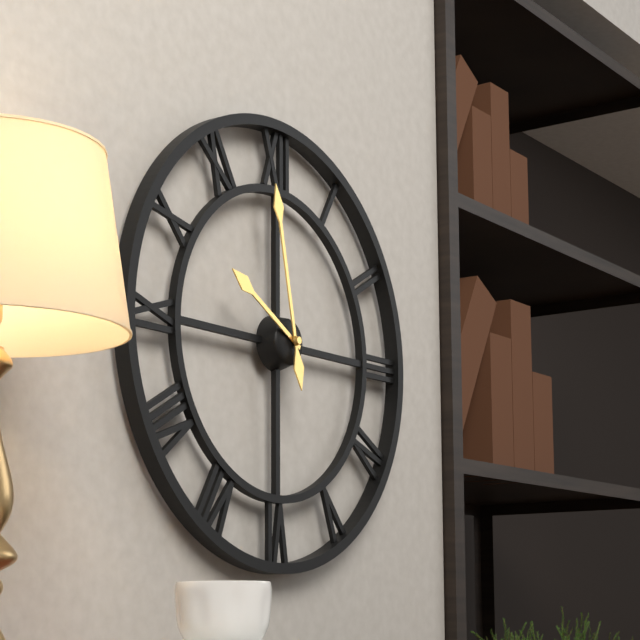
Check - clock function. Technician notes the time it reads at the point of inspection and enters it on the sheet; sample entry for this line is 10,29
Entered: 9,58
